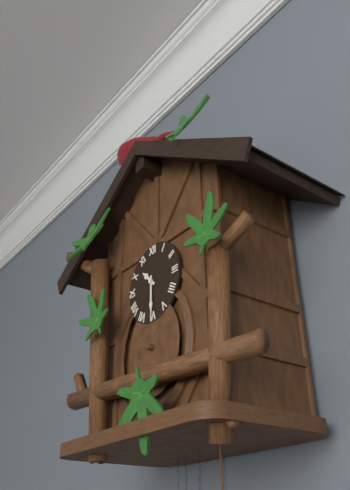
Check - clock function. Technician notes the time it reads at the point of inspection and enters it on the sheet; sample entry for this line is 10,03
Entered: 10,30
